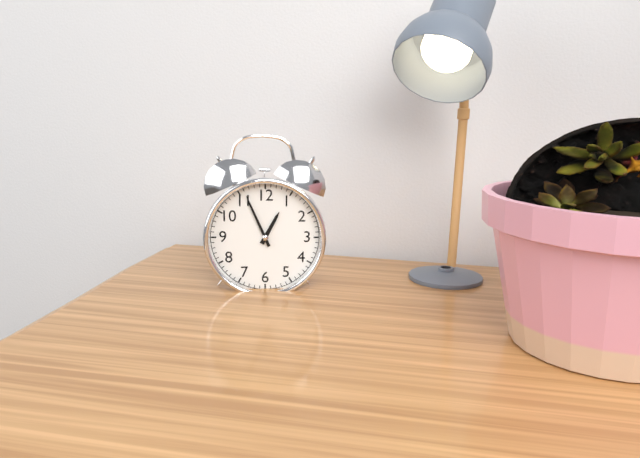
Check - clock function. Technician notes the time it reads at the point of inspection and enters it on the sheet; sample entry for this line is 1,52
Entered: 12,56
